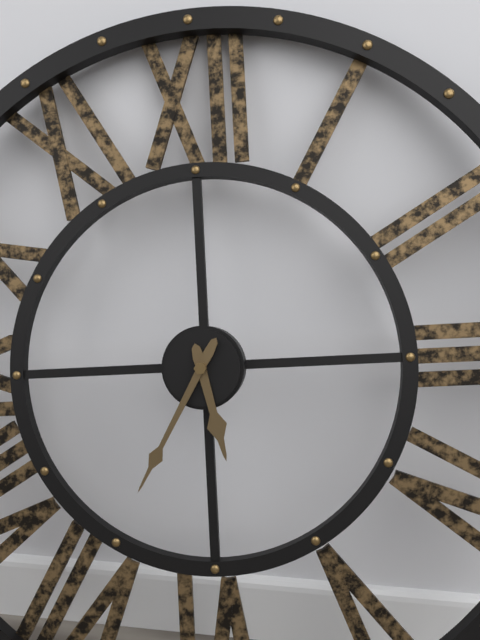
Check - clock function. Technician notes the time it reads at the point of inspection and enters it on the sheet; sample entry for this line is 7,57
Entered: 5,35
